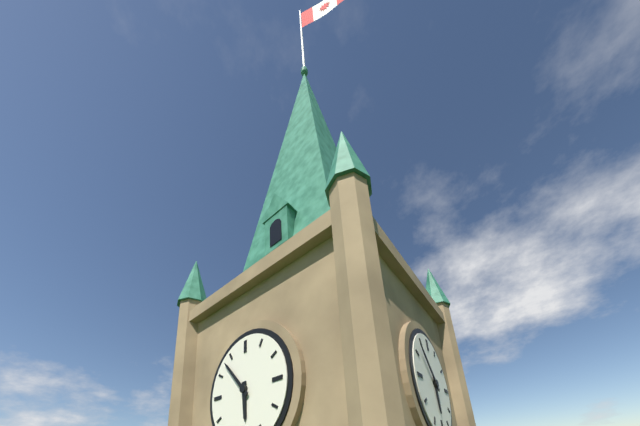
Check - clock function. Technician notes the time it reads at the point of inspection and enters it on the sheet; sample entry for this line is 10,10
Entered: 5,53
